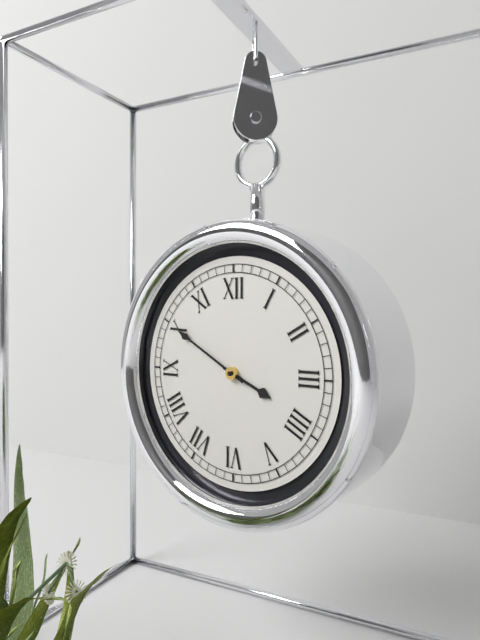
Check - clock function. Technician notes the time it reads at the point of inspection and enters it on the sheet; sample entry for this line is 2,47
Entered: 3,50
